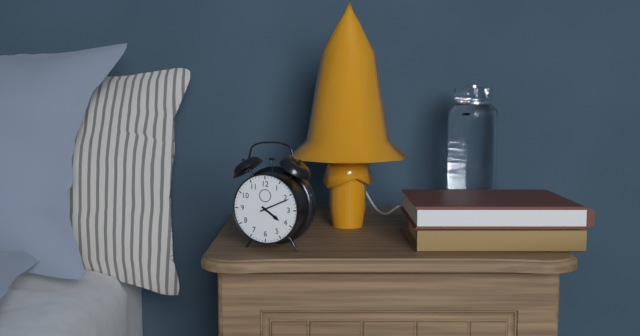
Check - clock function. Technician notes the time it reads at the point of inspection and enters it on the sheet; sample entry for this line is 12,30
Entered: 4,11
